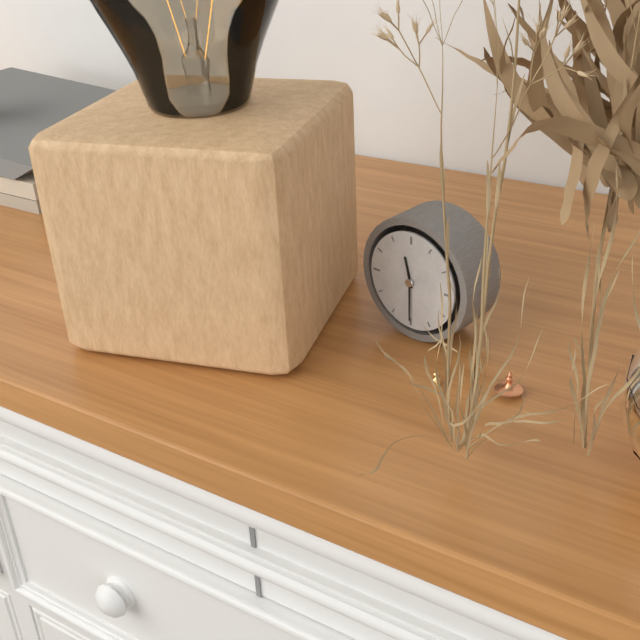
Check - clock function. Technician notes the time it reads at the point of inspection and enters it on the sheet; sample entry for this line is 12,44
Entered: 11,30
